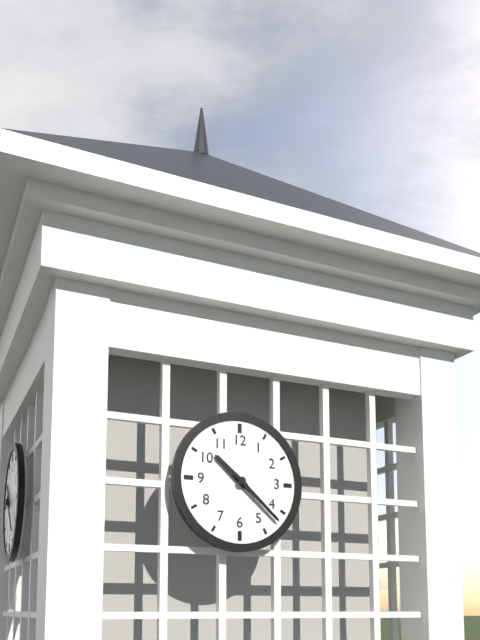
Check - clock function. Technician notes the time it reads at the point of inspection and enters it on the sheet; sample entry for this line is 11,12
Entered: 10,22
